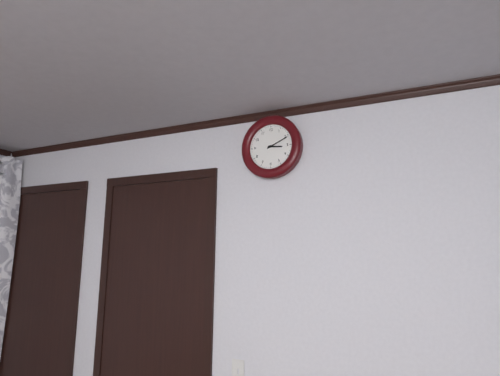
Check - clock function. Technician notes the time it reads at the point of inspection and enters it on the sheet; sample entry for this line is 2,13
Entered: 3,11
